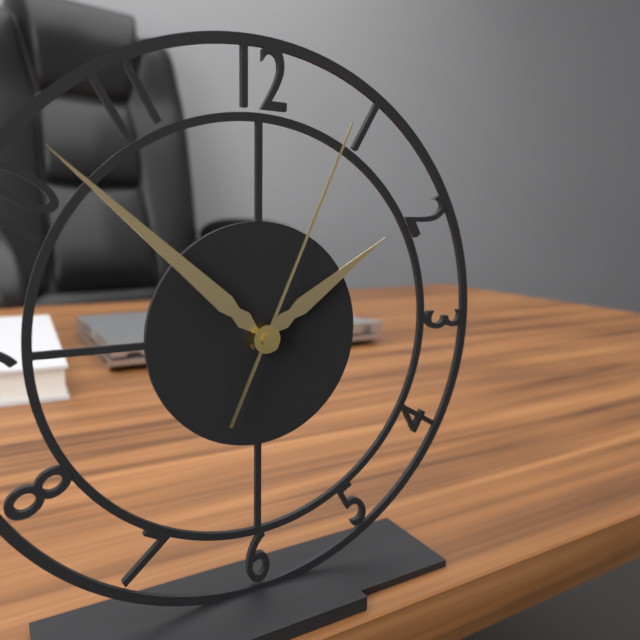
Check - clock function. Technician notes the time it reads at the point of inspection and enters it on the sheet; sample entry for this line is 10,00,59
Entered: 1,52,04
